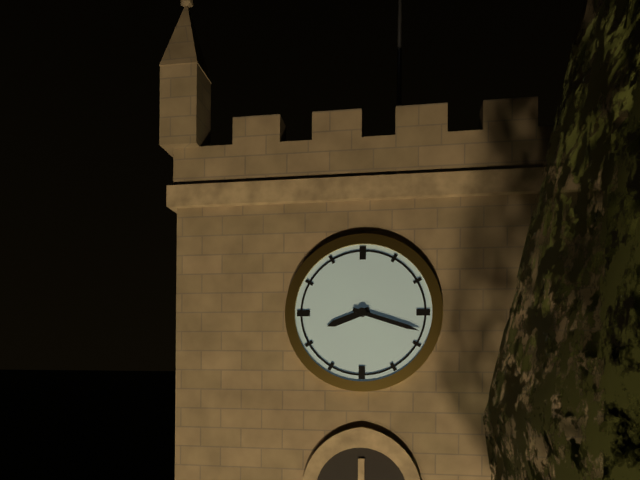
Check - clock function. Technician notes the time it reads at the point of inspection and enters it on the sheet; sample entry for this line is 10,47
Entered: 8,18
